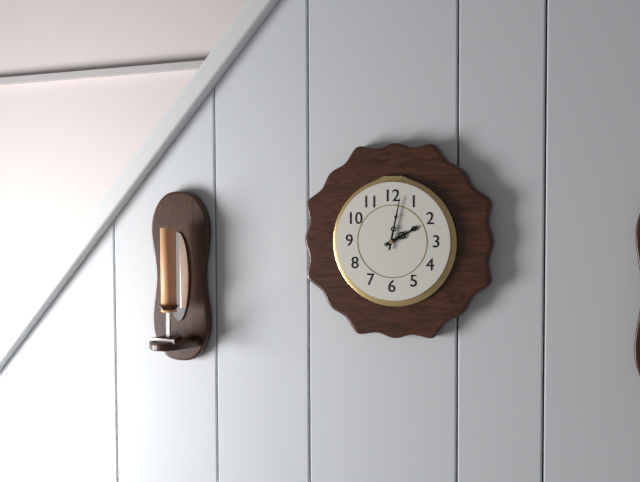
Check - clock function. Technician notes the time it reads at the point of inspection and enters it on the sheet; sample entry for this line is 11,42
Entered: 2,02
